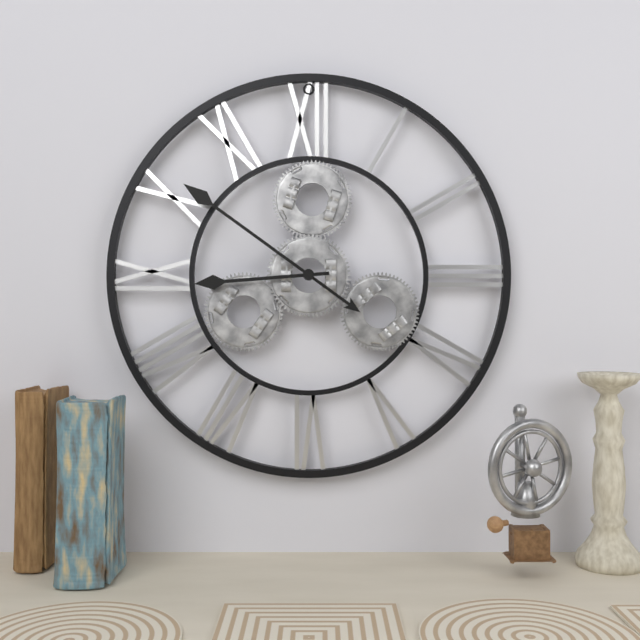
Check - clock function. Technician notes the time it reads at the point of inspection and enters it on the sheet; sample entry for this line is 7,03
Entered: 8,51
